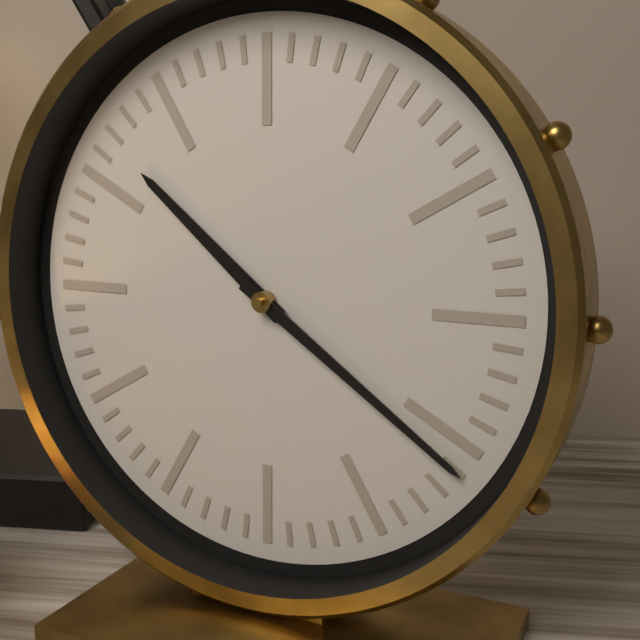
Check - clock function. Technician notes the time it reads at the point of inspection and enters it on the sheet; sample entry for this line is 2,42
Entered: 10,21
